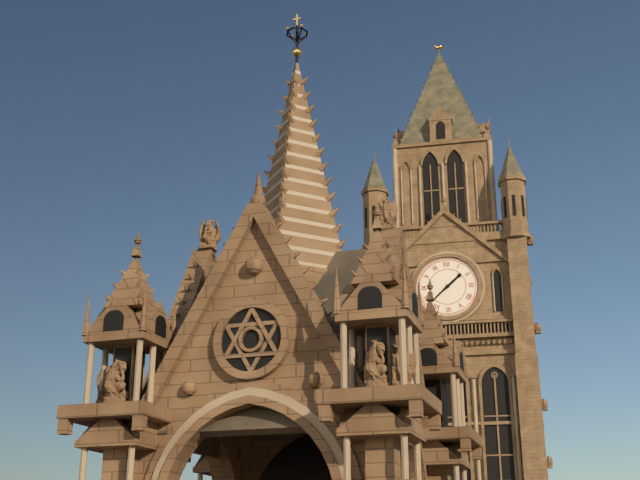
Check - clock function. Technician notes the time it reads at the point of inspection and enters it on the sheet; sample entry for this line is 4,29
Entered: 1,38
